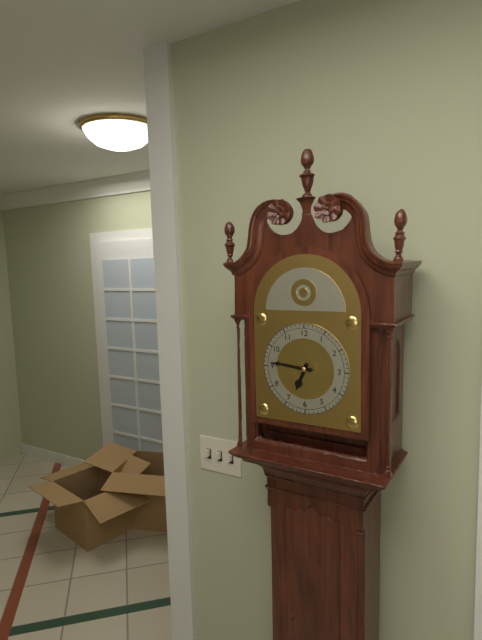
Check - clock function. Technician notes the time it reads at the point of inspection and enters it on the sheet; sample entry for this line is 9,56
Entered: 6,46
